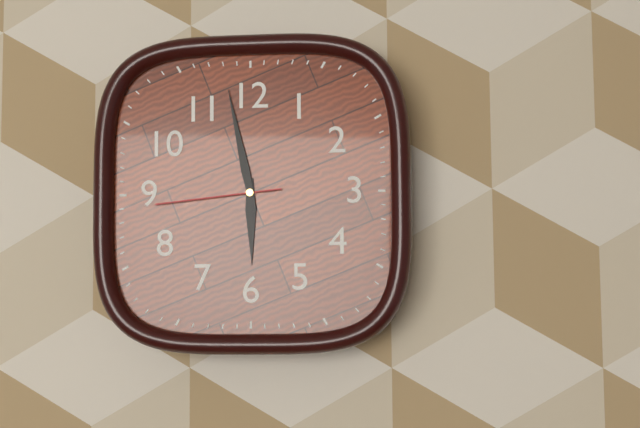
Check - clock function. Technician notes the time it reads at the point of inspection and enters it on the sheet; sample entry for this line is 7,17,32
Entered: 5,58,44
